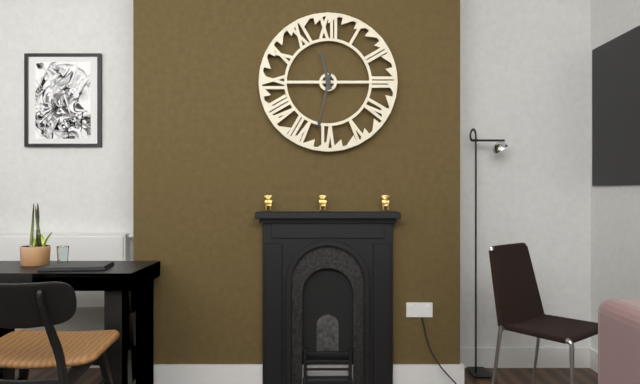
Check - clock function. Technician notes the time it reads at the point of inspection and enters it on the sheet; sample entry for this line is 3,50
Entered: 11,32
